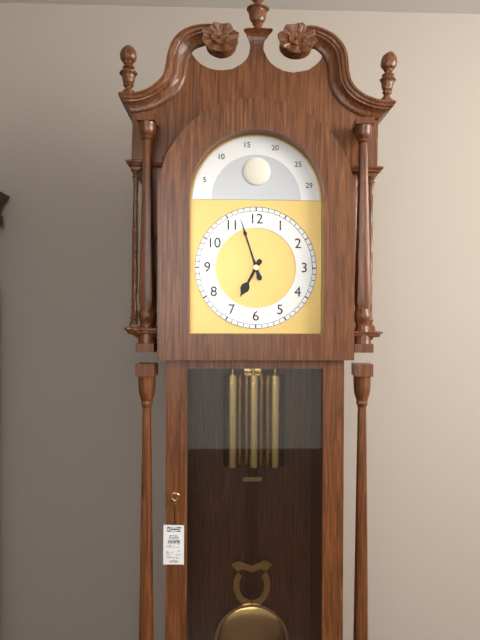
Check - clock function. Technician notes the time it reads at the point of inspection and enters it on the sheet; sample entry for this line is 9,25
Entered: 6,57
